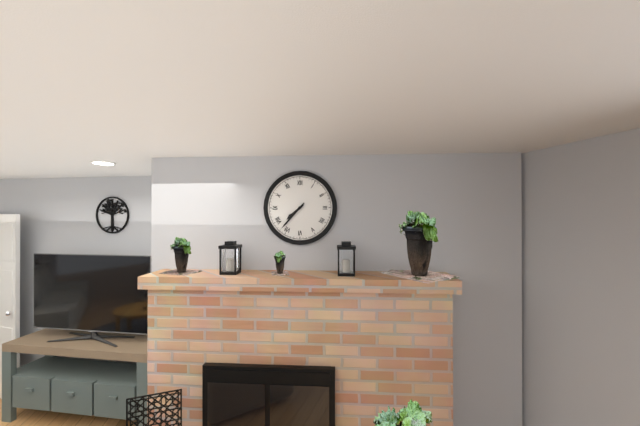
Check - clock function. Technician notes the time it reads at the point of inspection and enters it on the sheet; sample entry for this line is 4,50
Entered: 7,37
